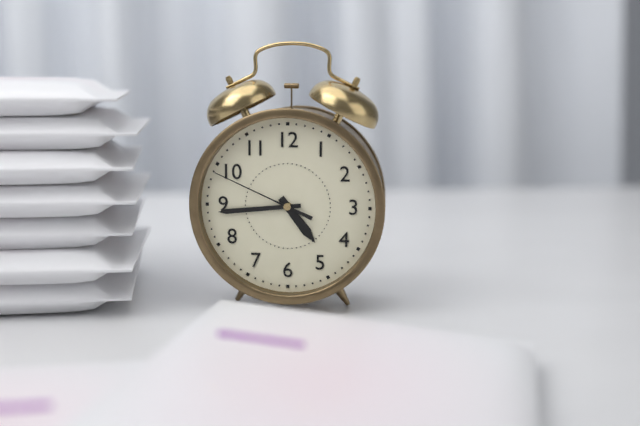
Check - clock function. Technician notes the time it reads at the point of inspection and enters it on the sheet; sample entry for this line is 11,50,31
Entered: 4,44,49
